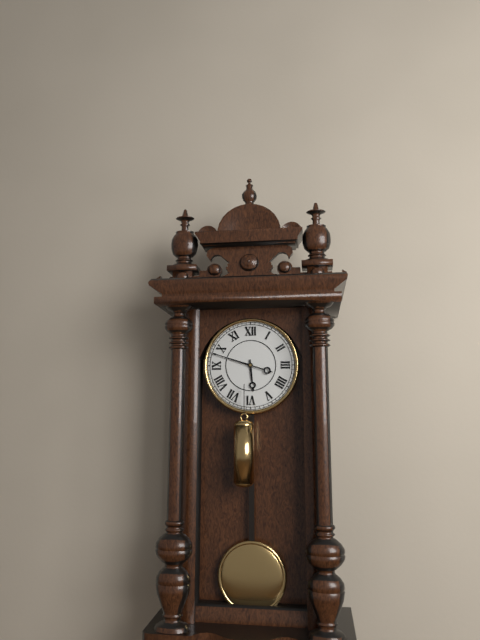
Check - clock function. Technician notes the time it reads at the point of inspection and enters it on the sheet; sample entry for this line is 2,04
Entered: 5,48
